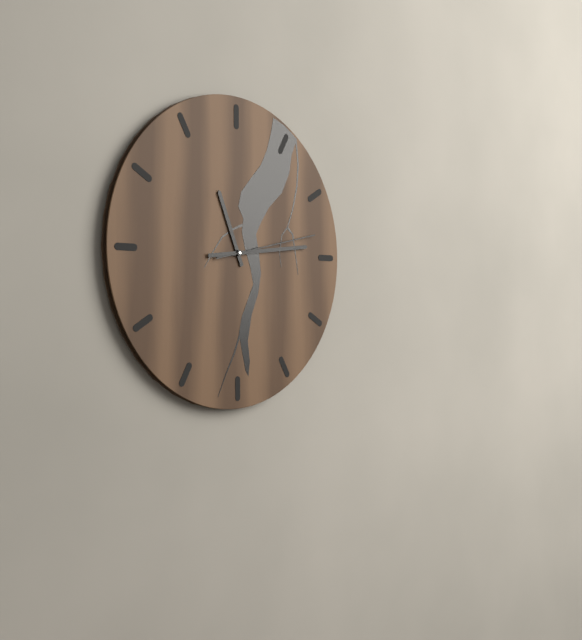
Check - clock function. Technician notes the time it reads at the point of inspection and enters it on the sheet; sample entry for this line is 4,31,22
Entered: 11,14,13
